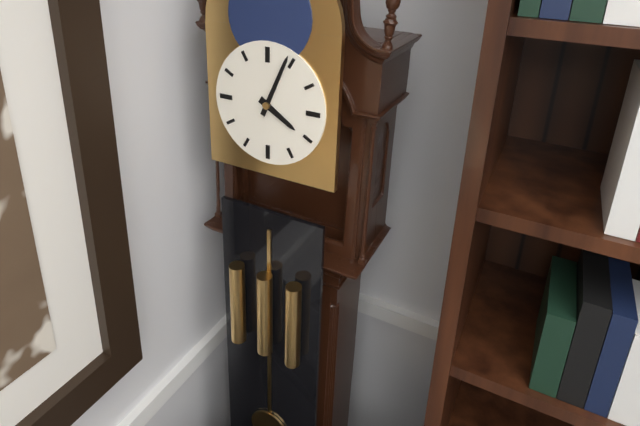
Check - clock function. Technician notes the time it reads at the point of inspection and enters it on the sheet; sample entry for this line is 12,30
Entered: 4,04
